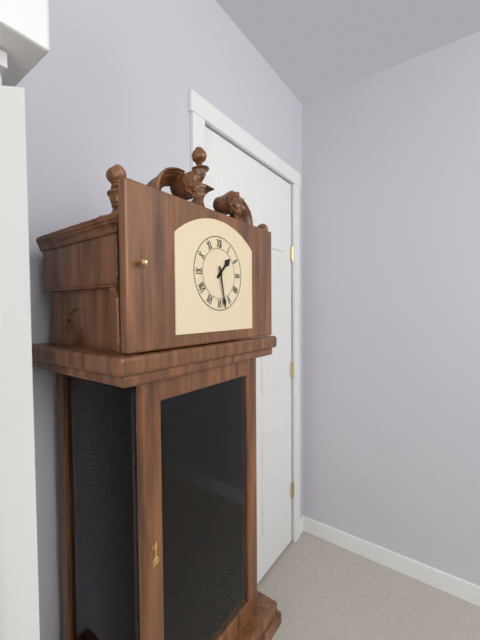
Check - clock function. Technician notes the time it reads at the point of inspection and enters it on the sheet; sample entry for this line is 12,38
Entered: 1,28
